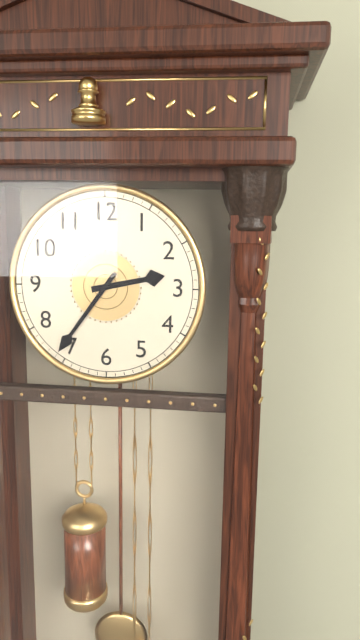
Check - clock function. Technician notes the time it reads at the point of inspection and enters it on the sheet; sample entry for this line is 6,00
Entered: 2,36
